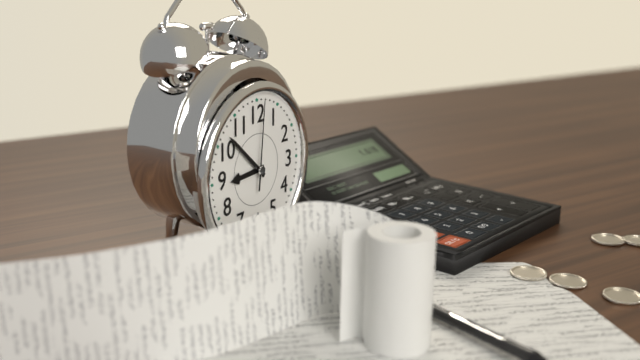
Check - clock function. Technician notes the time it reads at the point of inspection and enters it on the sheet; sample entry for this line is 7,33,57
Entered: 8,52,01
